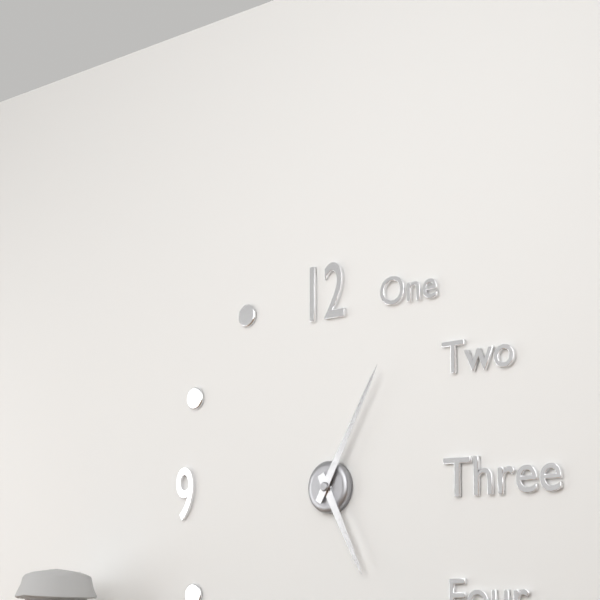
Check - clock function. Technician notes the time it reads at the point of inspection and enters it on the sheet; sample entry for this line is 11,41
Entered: 5,05
